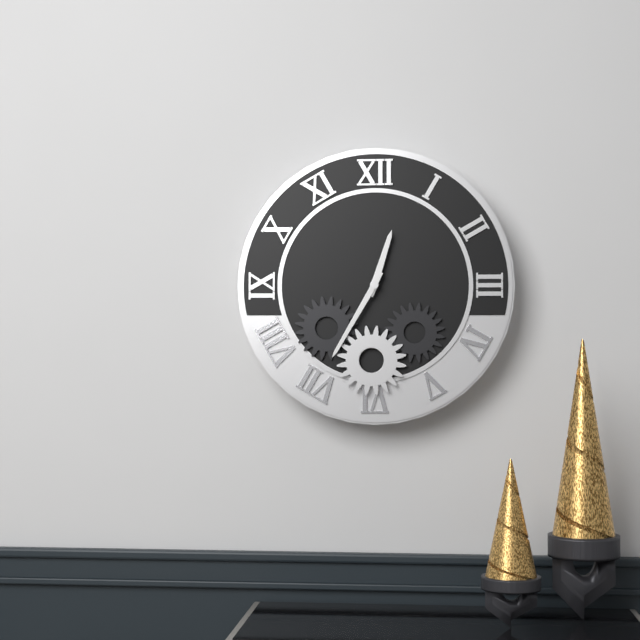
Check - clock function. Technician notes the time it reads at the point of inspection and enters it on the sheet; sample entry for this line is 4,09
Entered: 12,35
